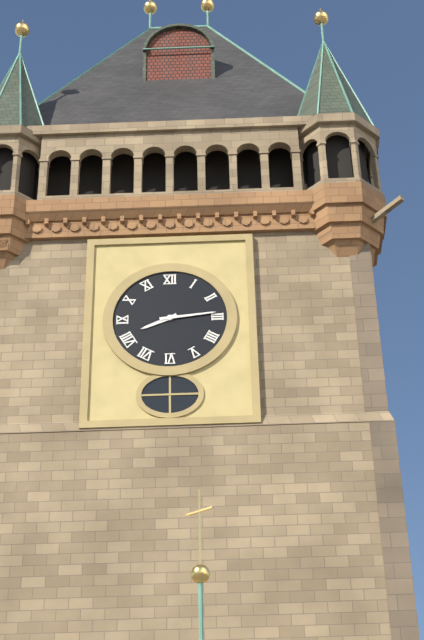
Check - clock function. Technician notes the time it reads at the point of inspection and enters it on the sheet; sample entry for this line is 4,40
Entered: 8,14
